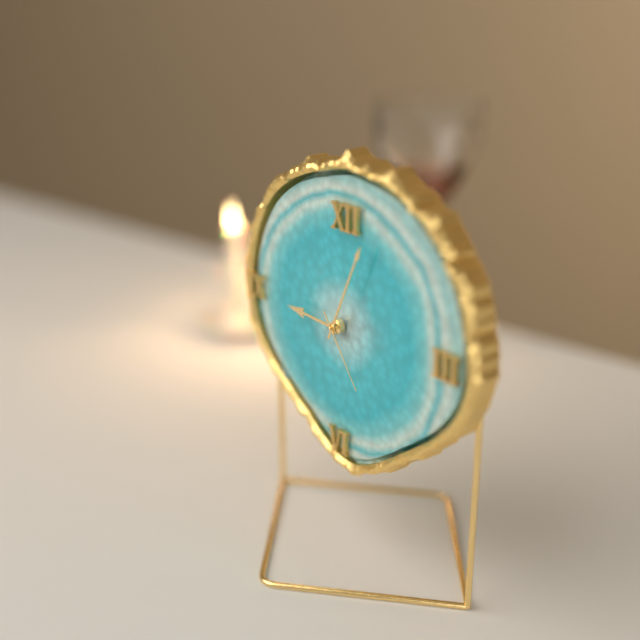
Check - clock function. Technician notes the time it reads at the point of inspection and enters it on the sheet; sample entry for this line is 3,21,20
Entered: 9,04,24
